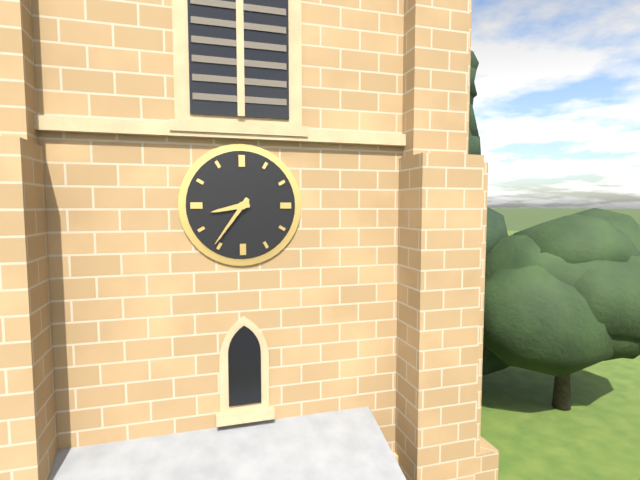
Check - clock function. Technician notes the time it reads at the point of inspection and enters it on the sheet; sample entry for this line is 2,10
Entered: 8,36
